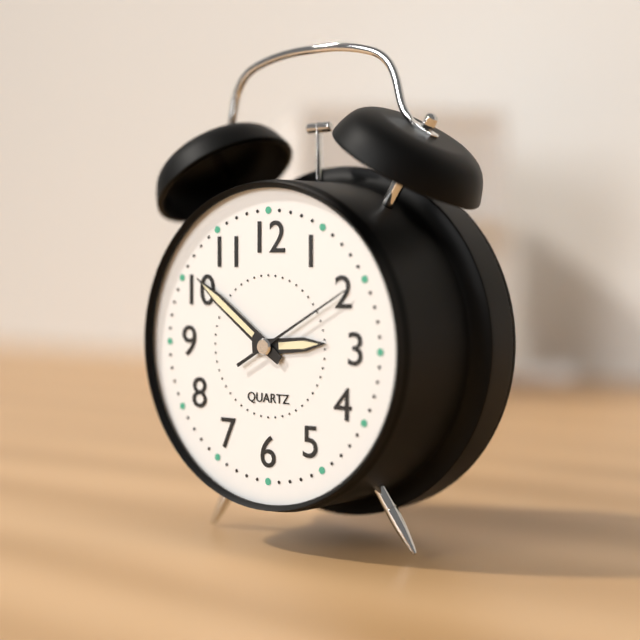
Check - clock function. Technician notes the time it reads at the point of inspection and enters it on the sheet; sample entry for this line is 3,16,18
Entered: 2,51,10
